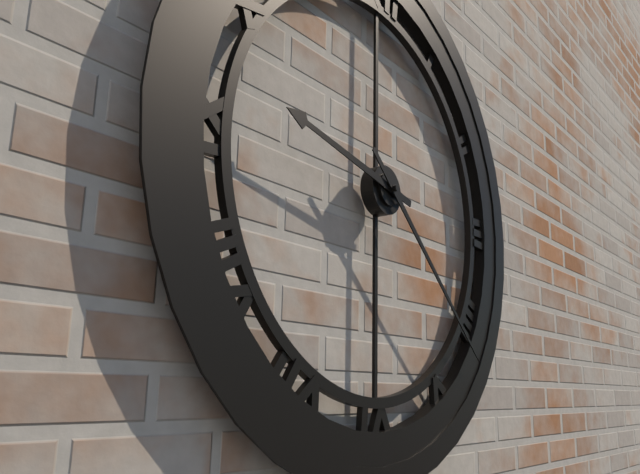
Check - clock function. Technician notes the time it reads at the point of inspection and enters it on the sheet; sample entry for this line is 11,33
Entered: 9,22
